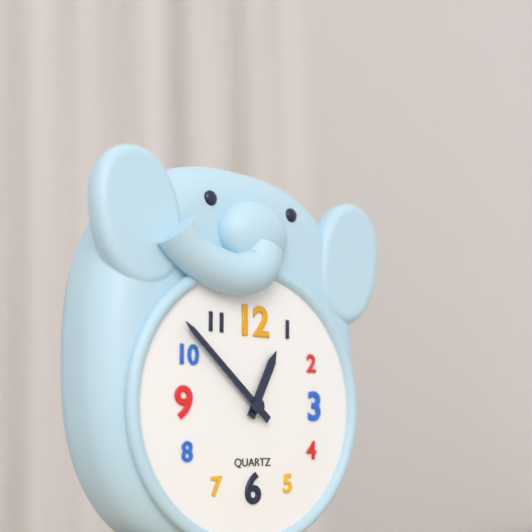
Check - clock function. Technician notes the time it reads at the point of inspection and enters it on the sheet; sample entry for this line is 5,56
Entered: 12,52
